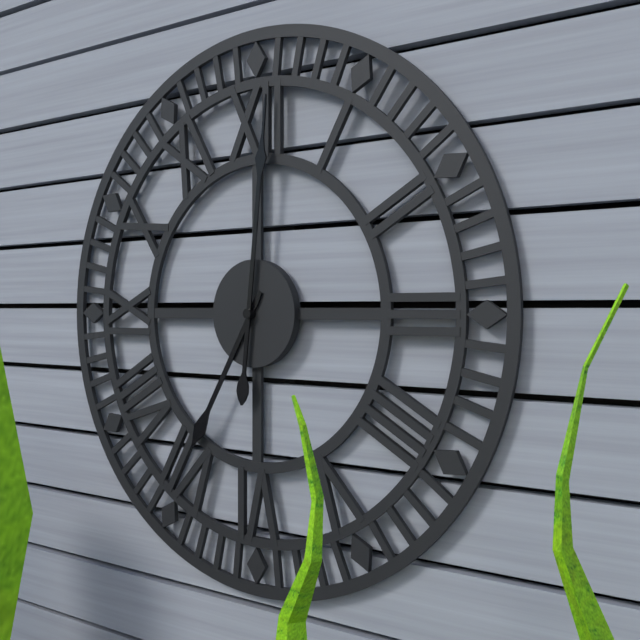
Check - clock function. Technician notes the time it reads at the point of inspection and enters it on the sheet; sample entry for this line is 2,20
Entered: 7,01
